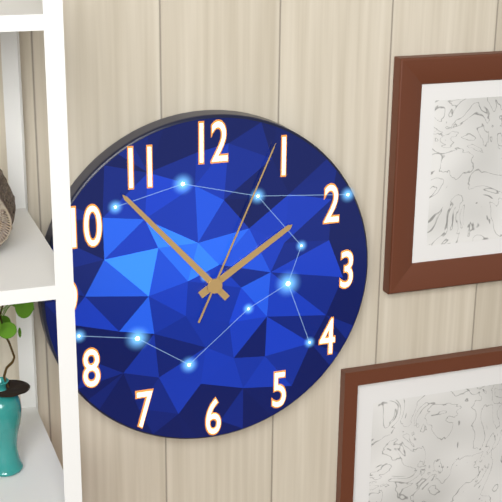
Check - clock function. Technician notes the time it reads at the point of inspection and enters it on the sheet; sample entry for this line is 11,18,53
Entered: 1,53,04
